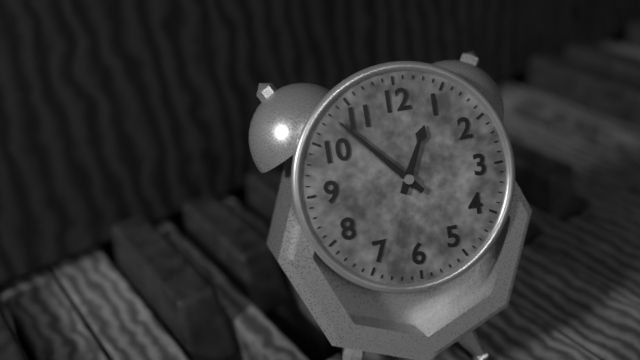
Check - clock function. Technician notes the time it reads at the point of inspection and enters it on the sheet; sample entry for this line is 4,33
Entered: 12,53
